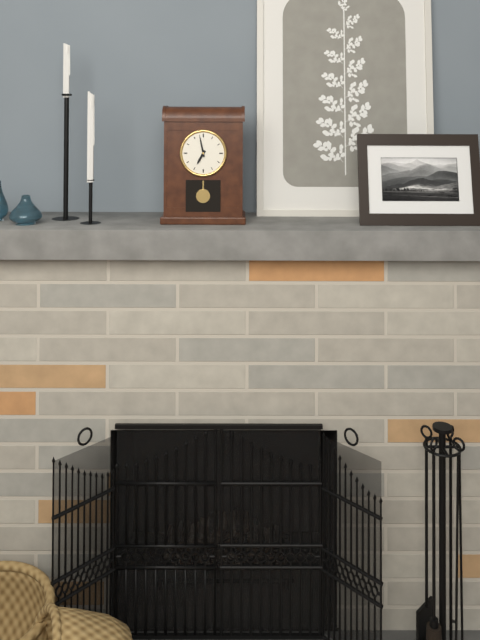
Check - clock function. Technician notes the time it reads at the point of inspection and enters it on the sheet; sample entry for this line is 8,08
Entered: 6,58
